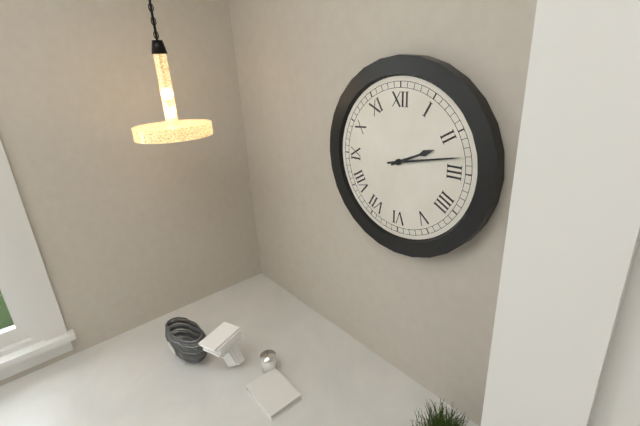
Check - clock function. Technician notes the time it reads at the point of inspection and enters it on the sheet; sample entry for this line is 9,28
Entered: 2,13
